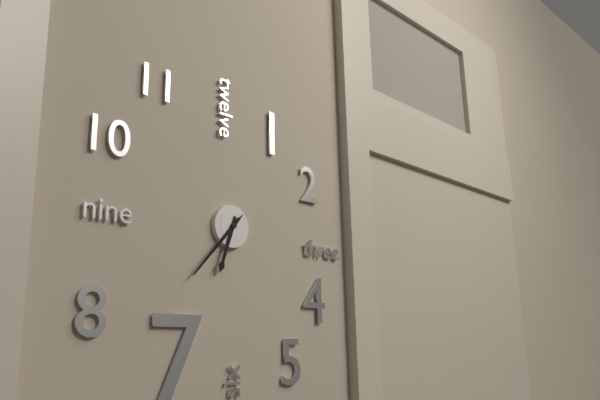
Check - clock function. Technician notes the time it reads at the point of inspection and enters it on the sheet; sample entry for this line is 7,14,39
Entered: 6,37,37
